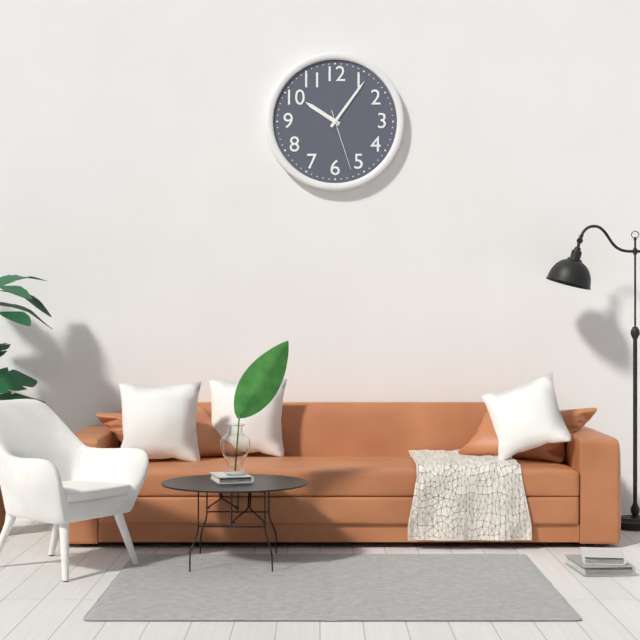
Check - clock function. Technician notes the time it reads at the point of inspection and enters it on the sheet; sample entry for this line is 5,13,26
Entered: 10,06,27
